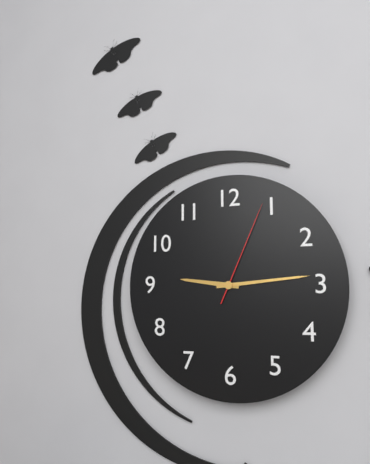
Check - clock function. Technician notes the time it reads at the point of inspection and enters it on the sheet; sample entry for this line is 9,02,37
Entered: 9,14,04
